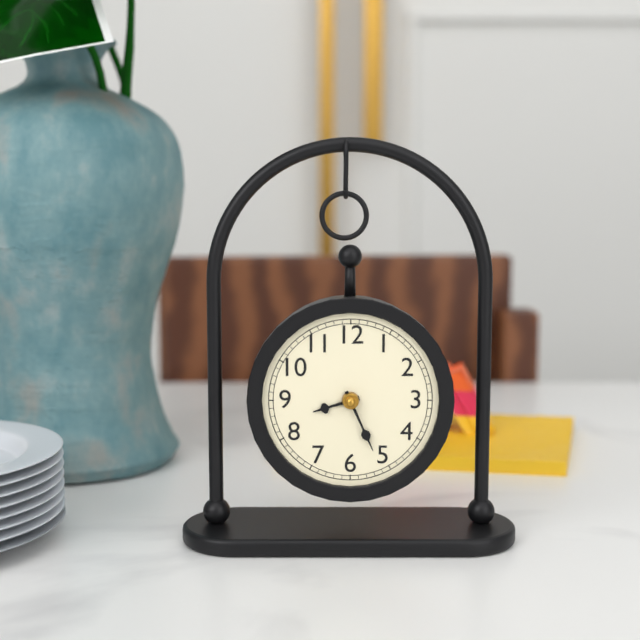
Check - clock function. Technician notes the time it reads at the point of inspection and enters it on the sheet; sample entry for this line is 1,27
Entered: 8,26
